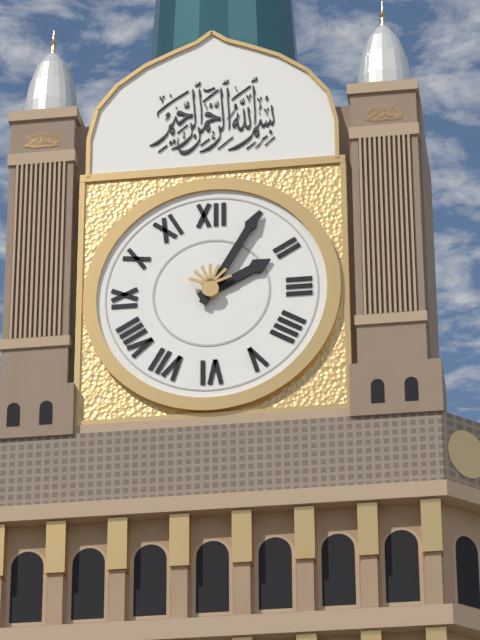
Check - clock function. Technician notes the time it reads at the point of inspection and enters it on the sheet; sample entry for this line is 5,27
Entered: 2,05
